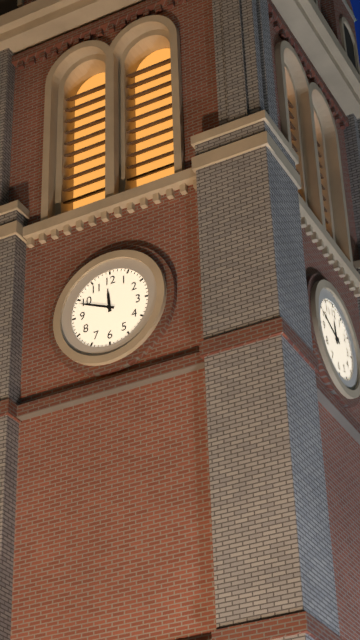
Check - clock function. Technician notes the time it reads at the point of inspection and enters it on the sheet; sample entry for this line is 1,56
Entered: 11,49
